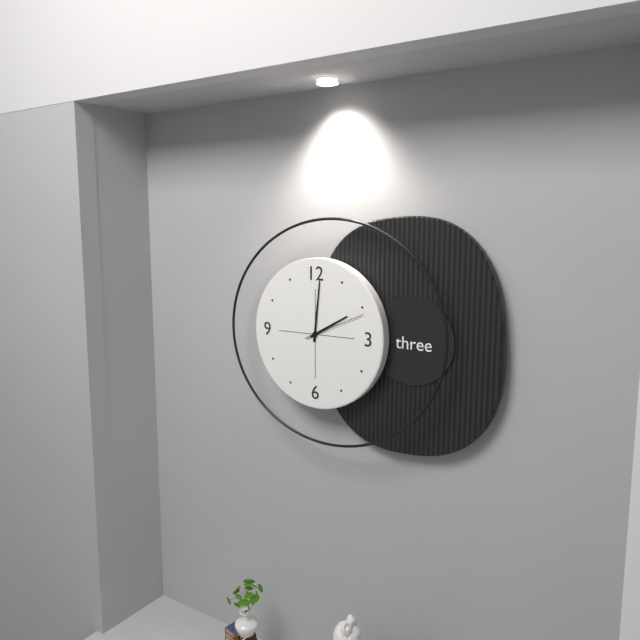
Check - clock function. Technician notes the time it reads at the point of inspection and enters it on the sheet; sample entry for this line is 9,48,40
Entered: 2,01,11
